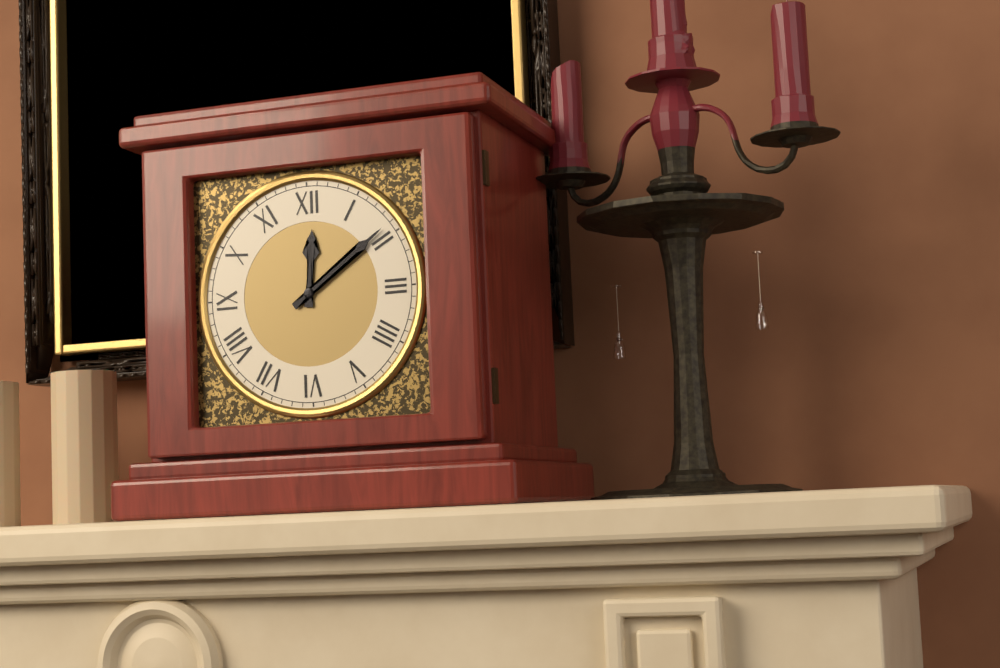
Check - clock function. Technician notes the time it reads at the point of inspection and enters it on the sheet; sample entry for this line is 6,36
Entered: 12,09
